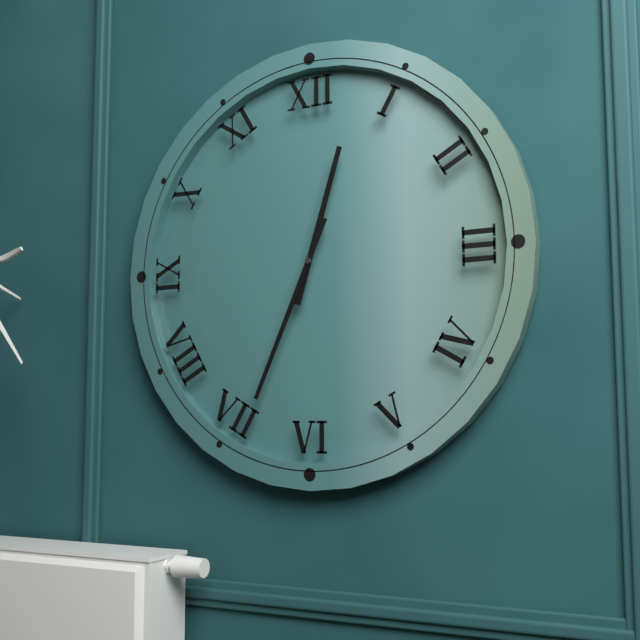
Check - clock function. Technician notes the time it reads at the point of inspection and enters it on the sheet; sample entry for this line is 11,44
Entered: 12,34
